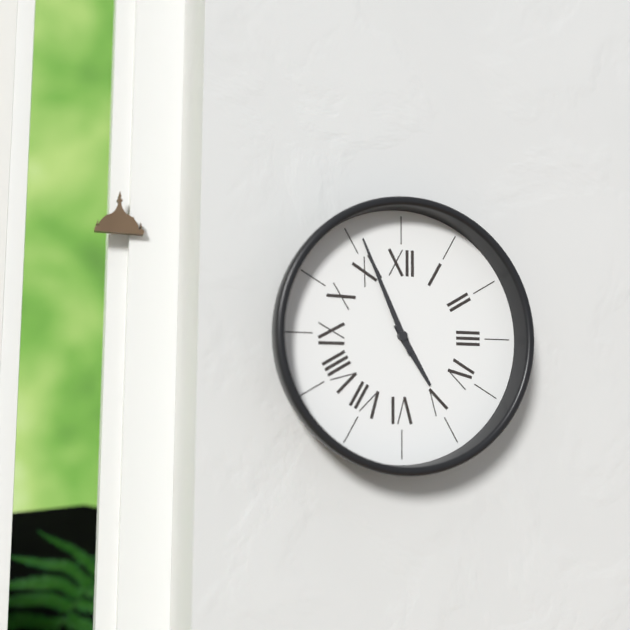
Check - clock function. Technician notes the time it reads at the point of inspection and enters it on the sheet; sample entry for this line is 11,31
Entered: 4,56
